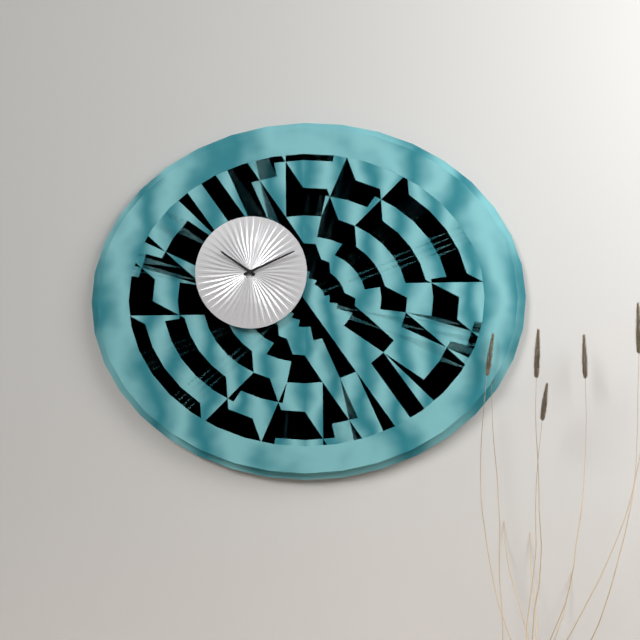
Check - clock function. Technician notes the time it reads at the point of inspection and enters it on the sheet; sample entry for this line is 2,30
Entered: 10,11
